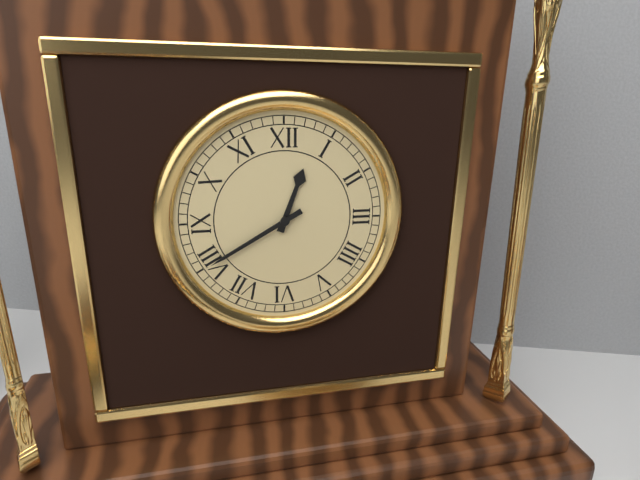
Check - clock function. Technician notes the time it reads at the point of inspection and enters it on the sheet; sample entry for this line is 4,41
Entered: 12,40
